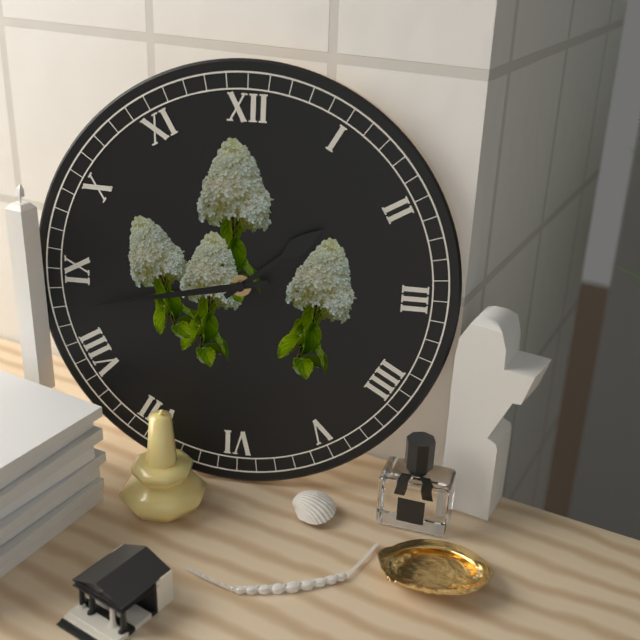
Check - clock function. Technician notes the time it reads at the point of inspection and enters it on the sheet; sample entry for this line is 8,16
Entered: 1,43
